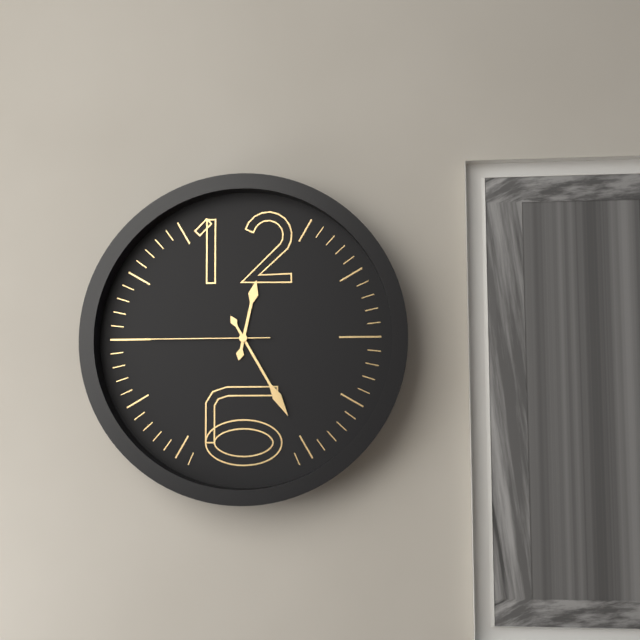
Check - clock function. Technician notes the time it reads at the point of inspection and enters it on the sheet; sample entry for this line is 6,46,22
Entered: 12,25,45
